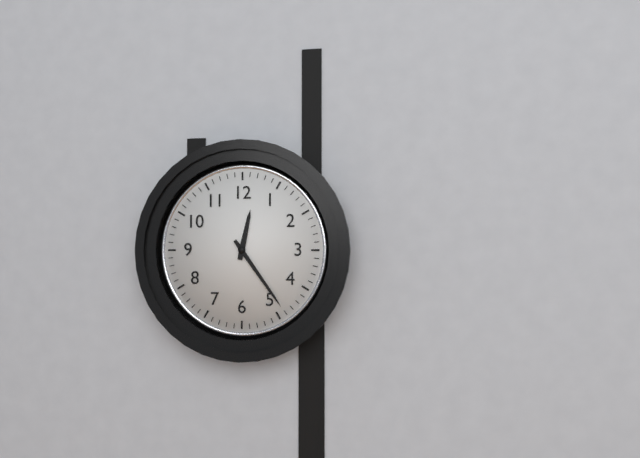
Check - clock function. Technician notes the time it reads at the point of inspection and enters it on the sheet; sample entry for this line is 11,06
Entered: 12,24
